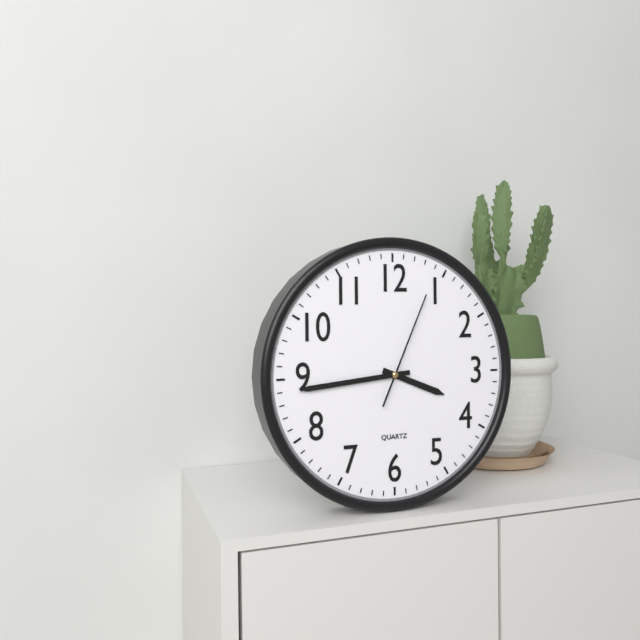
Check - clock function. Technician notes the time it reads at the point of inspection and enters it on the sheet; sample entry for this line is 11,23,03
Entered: 3,44,04
